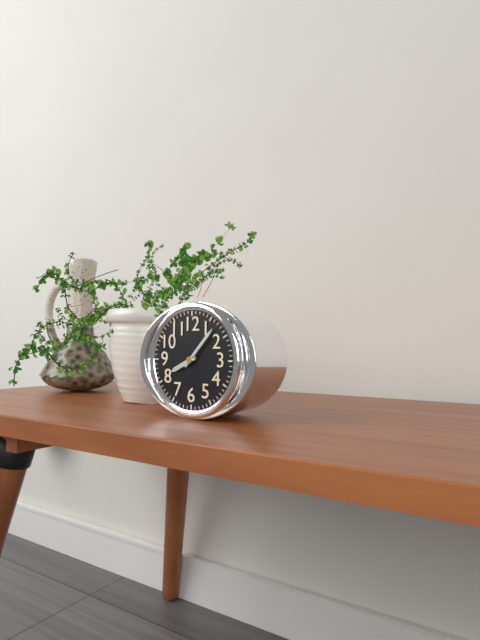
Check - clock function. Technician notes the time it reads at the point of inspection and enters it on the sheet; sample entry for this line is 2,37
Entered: 8,07
